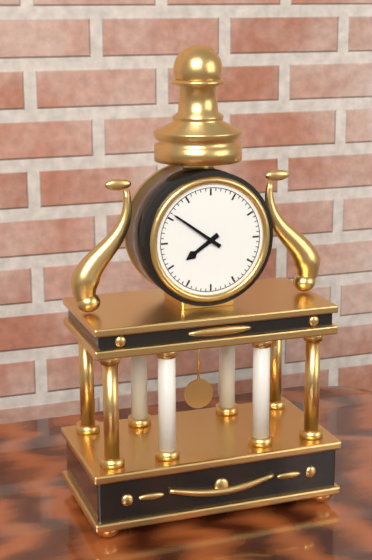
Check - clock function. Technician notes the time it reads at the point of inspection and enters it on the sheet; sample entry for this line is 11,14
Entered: 7,51
